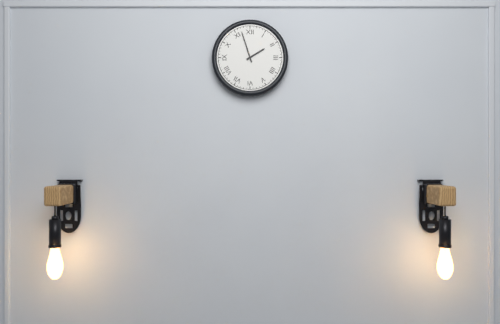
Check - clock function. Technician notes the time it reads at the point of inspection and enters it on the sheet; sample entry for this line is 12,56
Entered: 1,57
